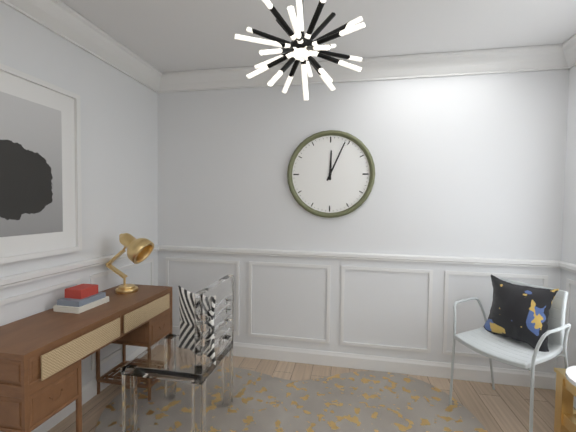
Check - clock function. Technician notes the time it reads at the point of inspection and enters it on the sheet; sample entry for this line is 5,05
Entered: 12,04
